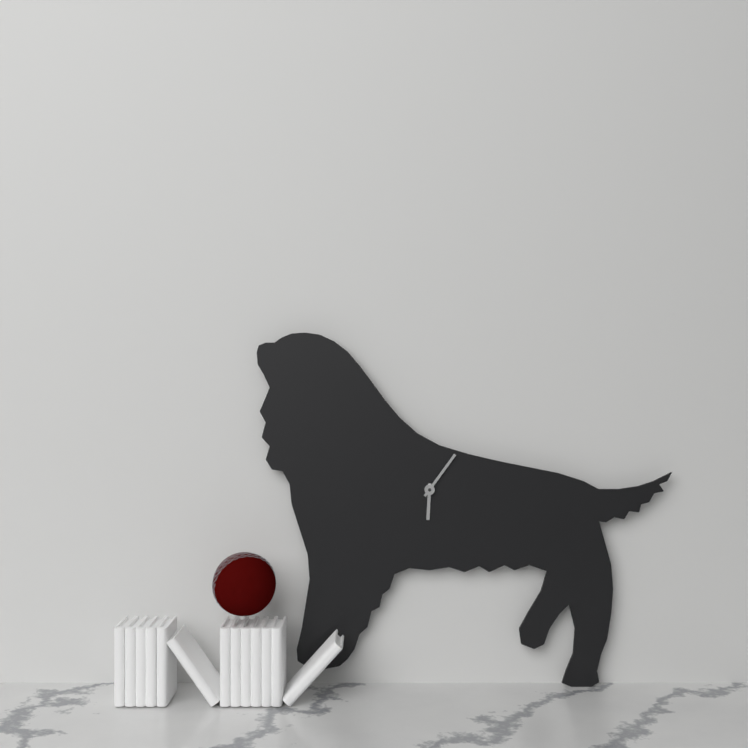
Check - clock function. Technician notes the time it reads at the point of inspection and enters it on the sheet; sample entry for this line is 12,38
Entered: 6,06
